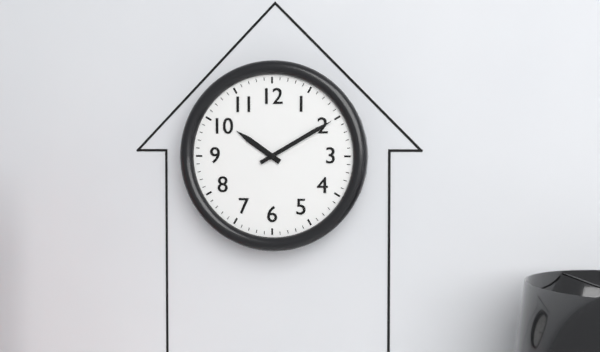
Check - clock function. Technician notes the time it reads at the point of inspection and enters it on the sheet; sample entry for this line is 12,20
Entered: 10,10
